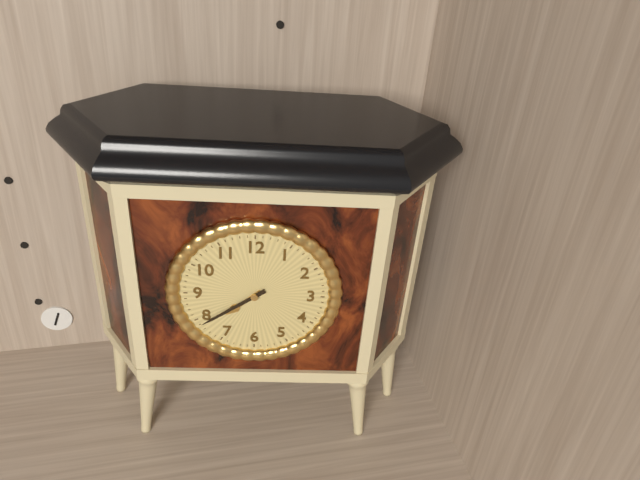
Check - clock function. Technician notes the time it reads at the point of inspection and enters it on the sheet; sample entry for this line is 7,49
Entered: 7,39
